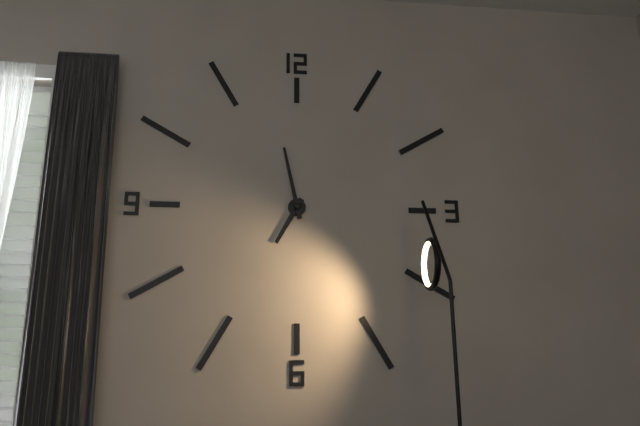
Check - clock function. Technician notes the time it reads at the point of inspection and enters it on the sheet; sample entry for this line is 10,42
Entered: 6,58
